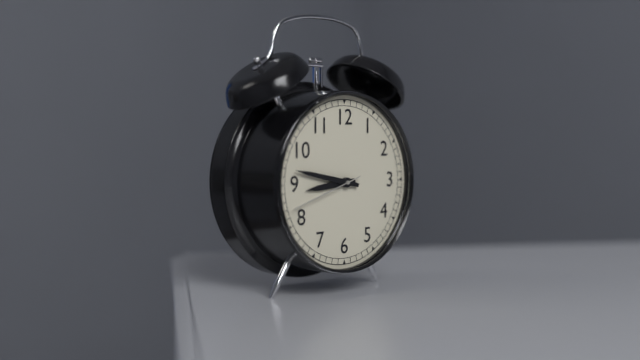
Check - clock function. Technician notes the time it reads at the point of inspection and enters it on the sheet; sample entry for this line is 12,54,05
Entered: 8,47,42
